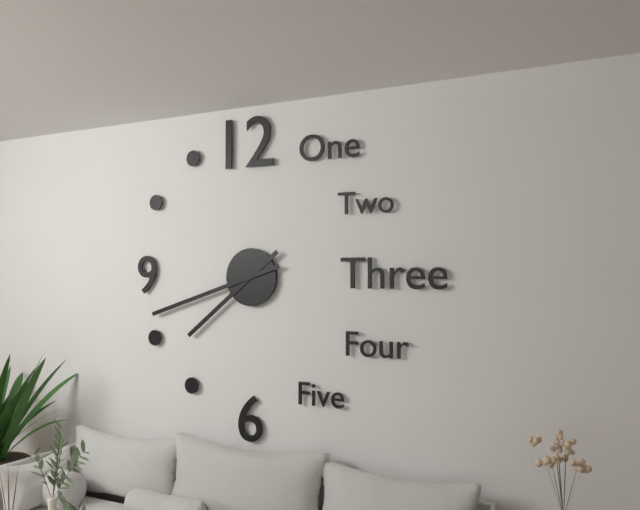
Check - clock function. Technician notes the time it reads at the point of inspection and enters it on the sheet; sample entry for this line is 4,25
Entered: 7,42
